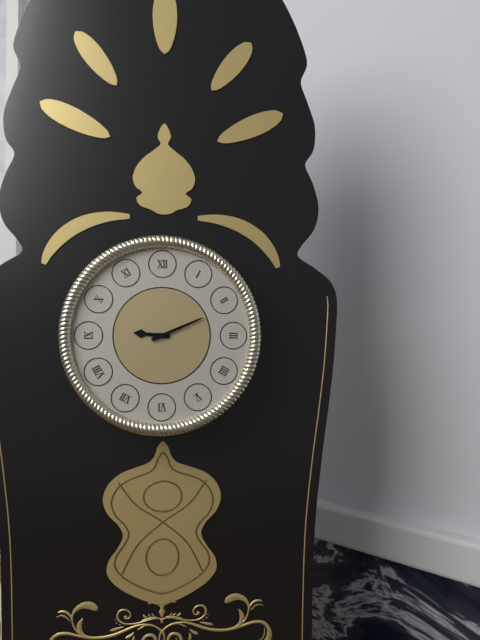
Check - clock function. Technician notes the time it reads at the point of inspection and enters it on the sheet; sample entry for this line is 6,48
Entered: 9,11
